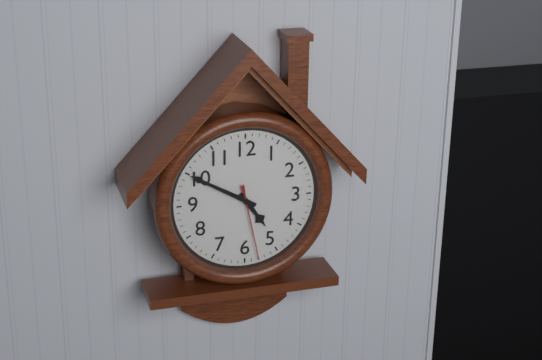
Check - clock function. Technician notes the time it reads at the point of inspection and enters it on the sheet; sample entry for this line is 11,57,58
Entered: 4,50,28
